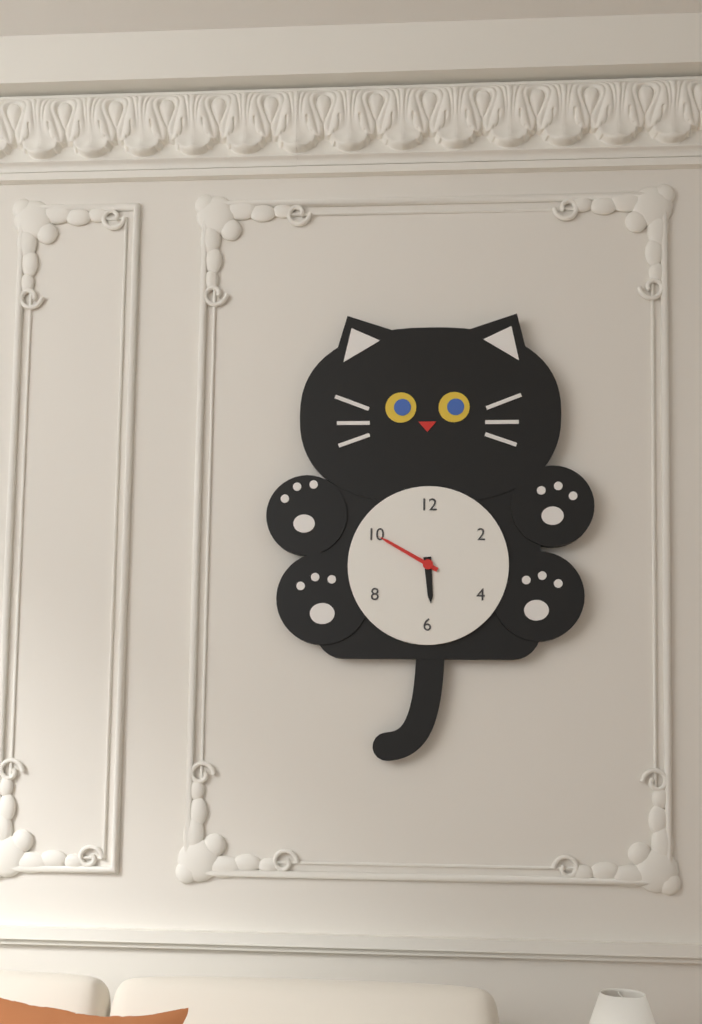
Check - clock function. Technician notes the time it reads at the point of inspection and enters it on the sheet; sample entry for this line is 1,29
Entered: 5,50
